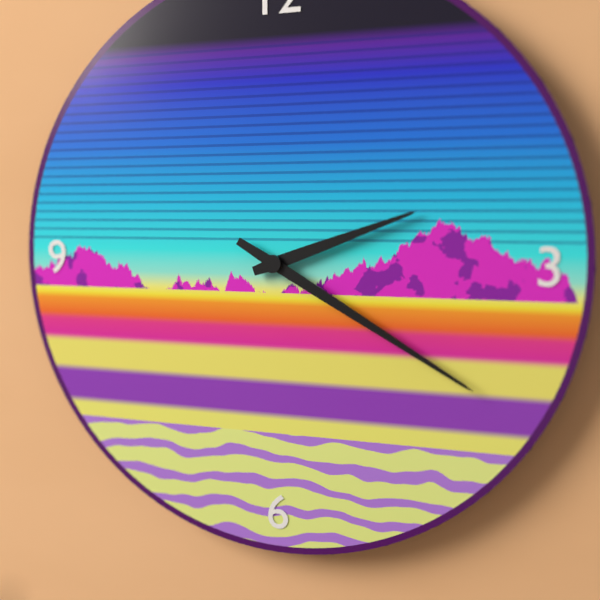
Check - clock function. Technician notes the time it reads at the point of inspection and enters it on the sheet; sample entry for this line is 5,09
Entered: 2,20
